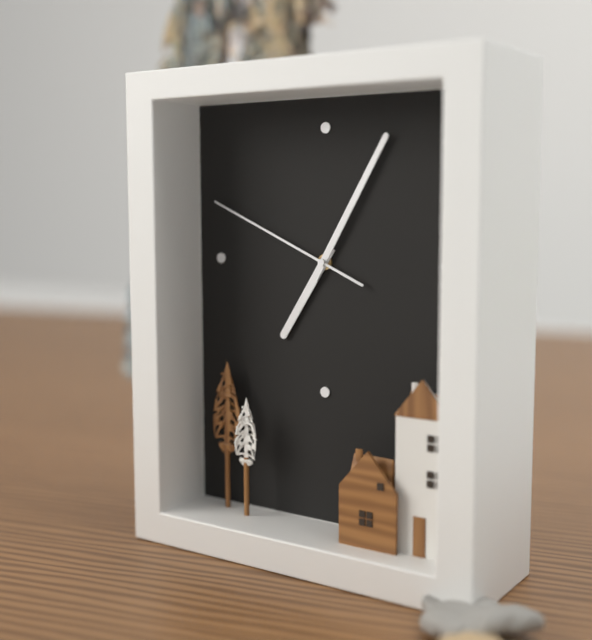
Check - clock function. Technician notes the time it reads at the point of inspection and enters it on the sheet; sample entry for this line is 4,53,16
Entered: 7,05,49
